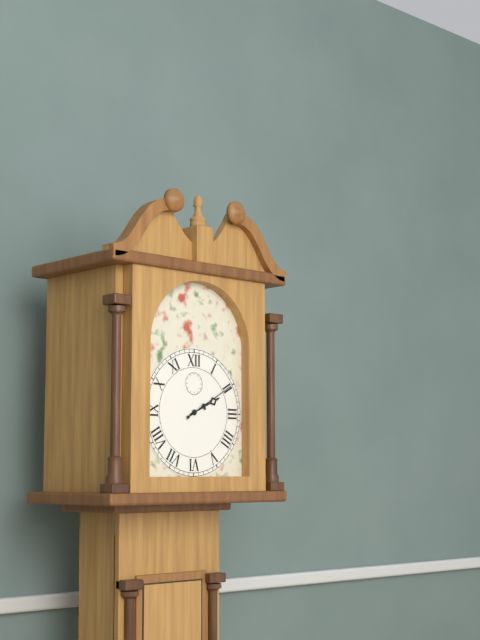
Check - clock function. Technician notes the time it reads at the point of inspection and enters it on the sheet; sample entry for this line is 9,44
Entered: 2,10
